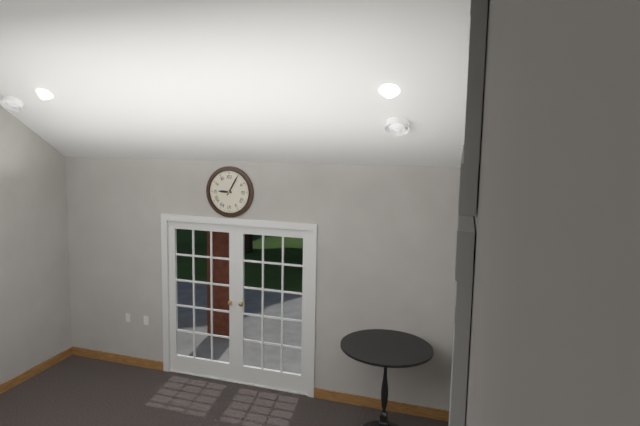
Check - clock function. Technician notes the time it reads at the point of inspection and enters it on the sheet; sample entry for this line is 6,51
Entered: 9,05
